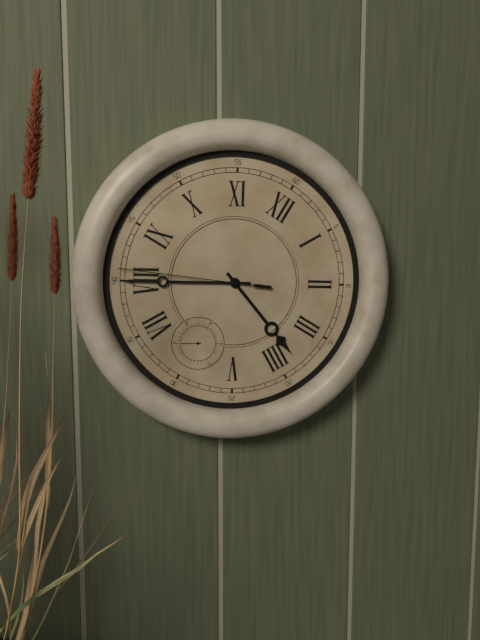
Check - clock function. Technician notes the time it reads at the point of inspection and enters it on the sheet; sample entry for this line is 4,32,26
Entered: 3,40,41
